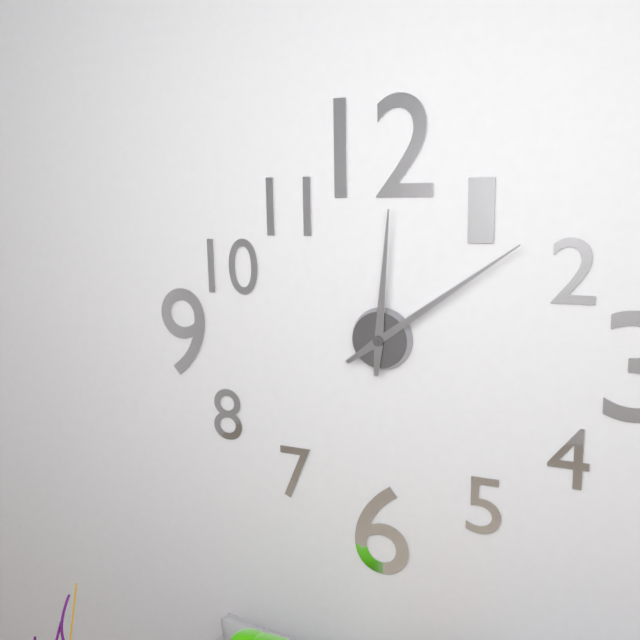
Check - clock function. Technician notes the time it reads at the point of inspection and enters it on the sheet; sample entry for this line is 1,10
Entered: 12,09
